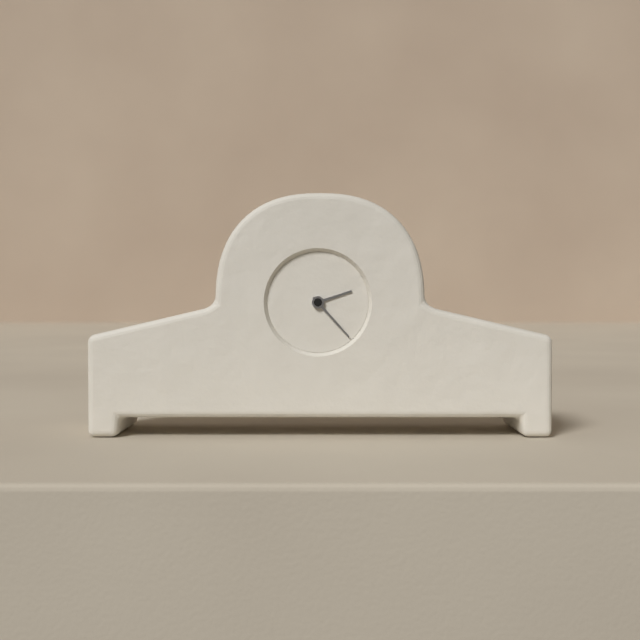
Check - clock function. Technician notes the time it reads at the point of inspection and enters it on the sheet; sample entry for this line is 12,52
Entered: 2,23
